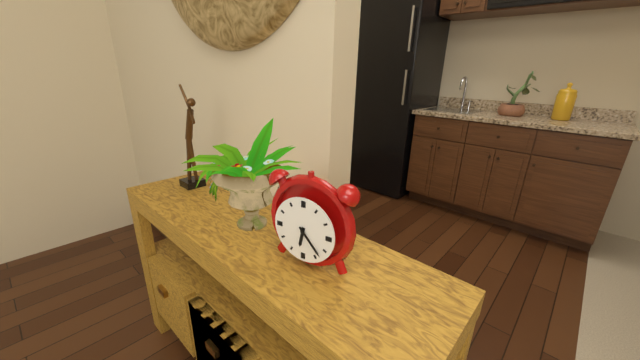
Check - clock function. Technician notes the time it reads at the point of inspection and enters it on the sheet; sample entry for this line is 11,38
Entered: 6,23
